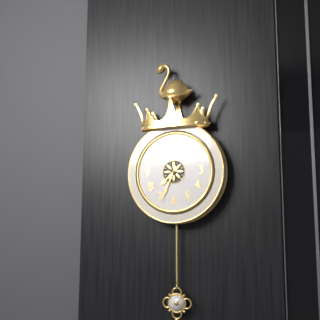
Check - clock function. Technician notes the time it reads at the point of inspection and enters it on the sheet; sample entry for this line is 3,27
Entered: 7,34
